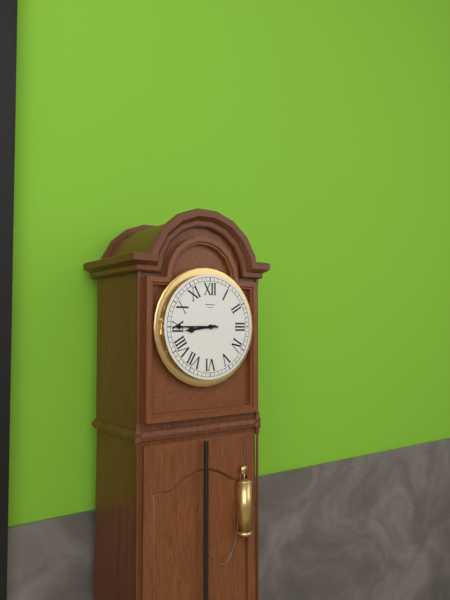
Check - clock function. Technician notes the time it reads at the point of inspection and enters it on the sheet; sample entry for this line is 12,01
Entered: 8,45
